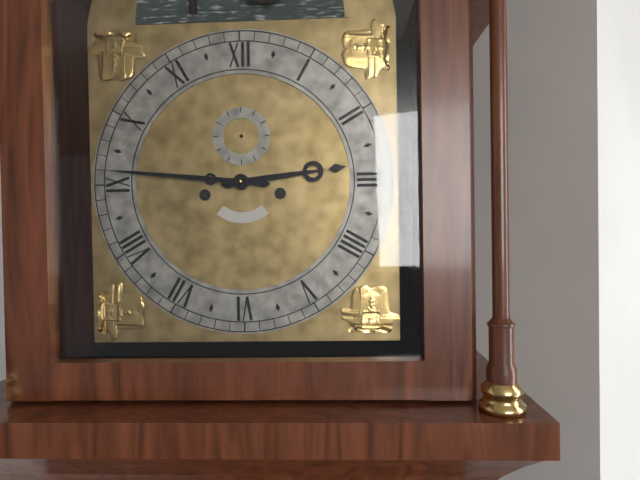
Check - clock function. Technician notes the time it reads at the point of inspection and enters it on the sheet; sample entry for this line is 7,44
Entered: 2,46
